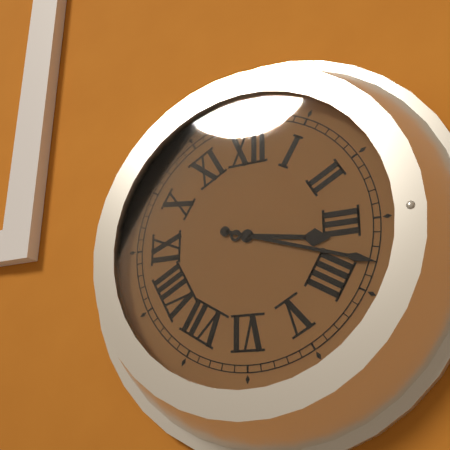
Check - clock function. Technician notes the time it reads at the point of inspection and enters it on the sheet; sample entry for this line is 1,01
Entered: 3,18
